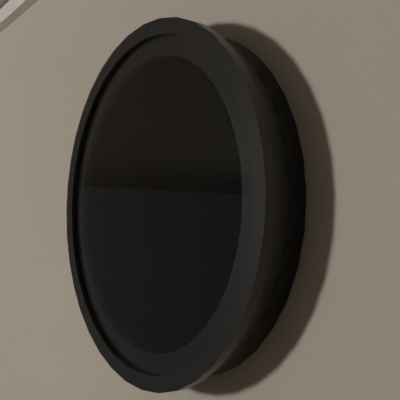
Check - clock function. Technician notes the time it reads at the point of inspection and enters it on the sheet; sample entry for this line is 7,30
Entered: 12,09
